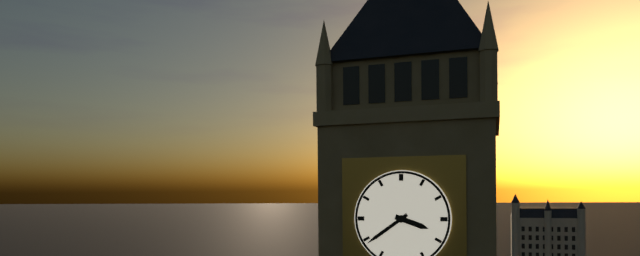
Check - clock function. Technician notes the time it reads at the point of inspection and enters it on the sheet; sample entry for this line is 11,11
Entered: 3,39
